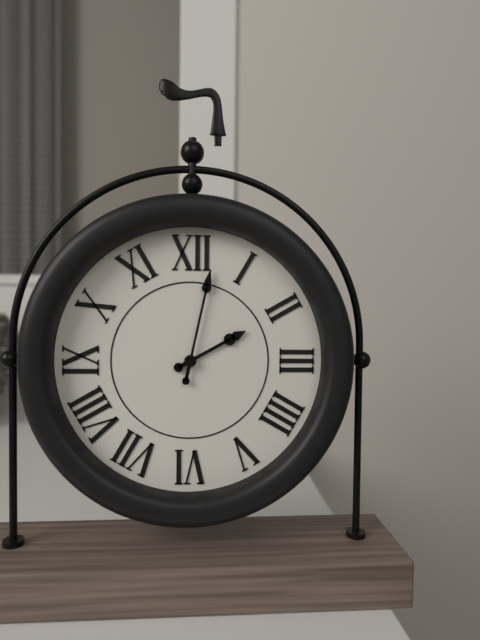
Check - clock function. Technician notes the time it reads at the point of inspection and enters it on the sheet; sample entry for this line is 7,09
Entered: 2,02
